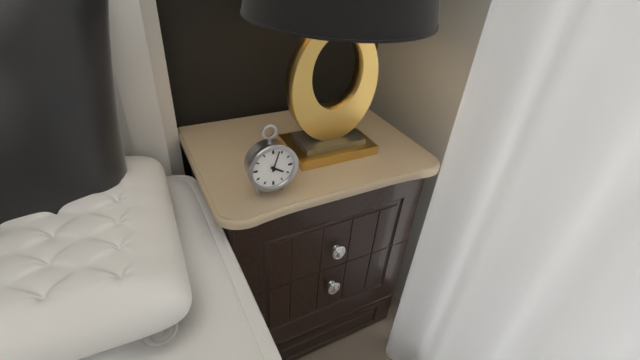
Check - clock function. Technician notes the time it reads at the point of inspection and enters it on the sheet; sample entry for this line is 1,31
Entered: 4,03
